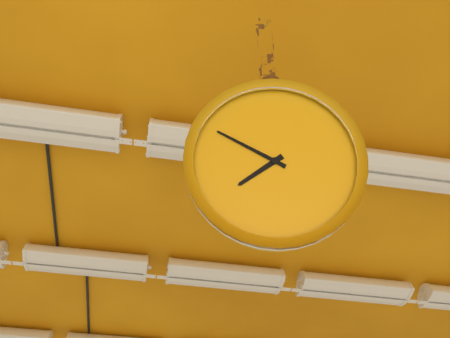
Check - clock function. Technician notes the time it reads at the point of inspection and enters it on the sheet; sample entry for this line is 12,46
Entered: 7,50
